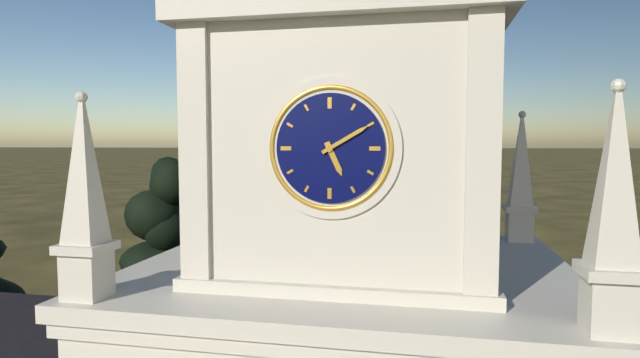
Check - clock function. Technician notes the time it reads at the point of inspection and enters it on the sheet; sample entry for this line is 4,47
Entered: 5,10
